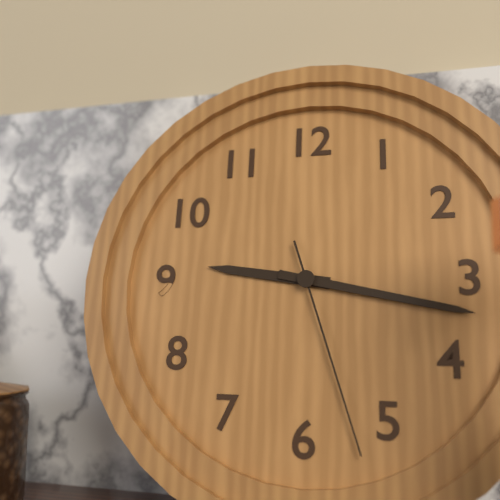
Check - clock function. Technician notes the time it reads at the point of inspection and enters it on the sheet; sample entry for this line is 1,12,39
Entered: 9,17,27
